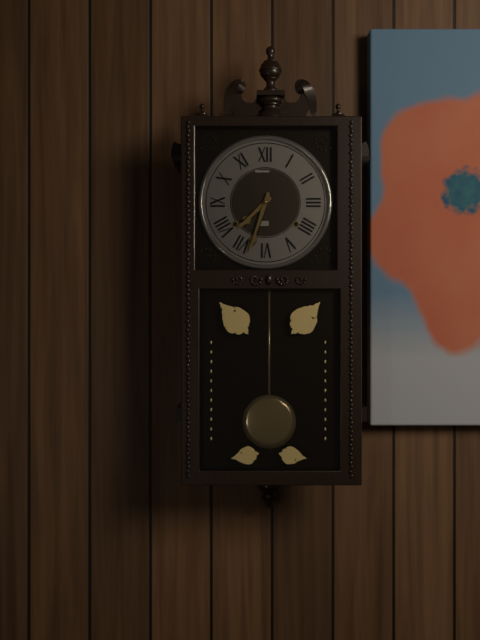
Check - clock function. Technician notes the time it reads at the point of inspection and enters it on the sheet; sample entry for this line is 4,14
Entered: 7,33
